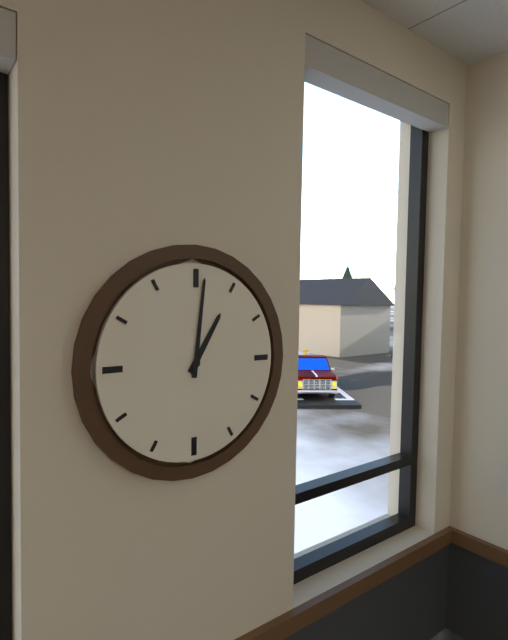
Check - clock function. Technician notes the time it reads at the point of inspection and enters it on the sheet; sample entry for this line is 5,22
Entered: 1,01
